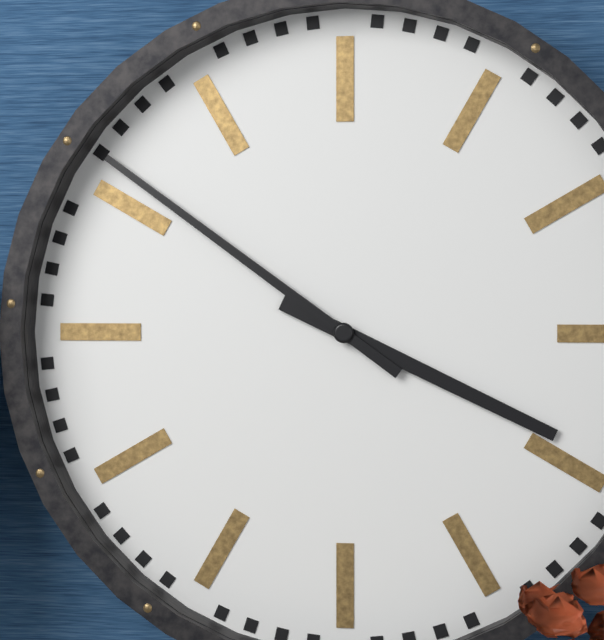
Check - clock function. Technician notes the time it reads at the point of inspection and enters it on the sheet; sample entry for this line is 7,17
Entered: 3,51
